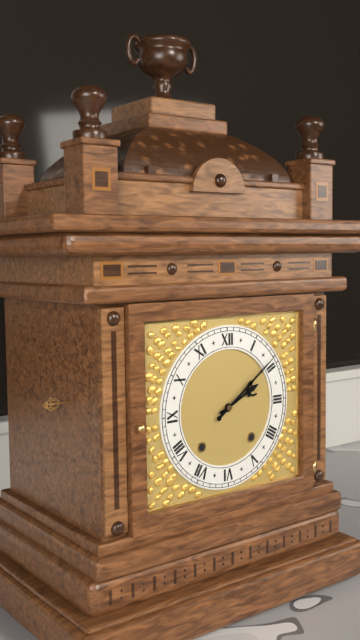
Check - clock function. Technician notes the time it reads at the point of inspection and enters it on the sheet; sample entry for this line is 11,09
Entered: 2,09
